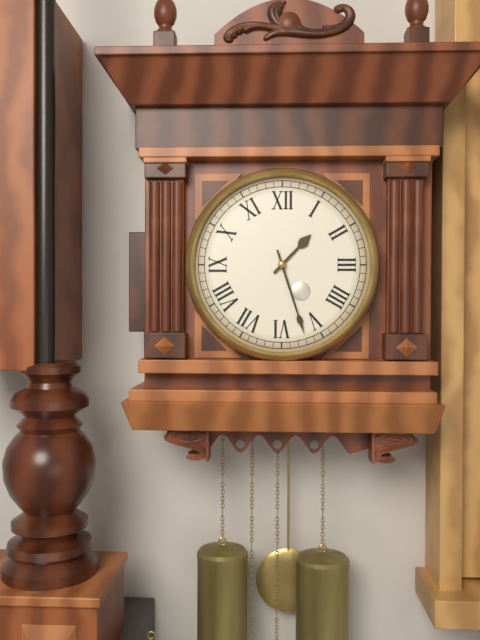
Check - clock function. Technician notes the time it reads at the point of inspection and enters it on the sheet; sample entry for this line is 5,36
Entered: 1,27
